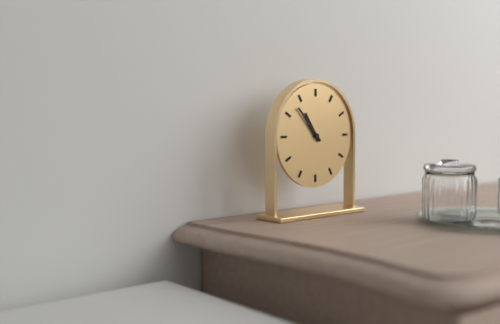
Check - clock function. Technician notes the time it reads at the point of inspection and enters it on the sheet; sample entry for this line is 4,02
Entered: 10,53
